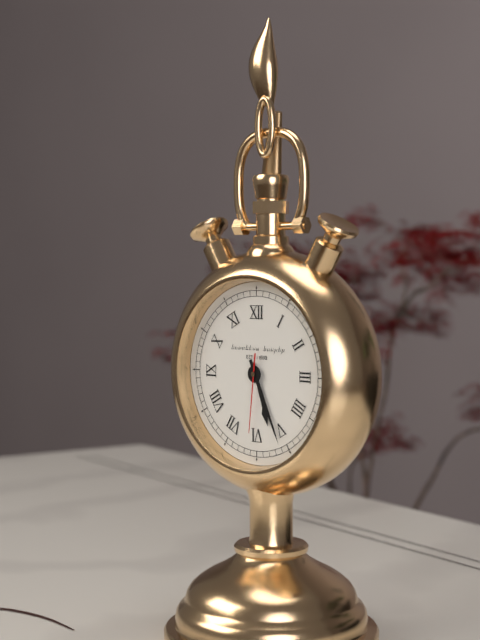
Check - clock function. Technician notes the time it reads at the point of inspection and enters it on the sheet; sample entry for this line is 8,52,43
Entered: 5,26,31
